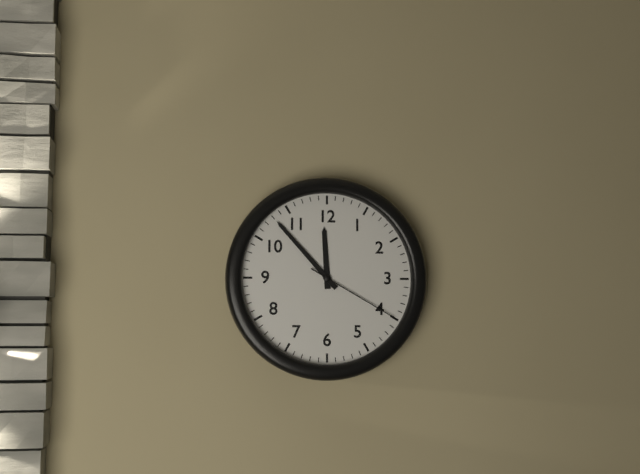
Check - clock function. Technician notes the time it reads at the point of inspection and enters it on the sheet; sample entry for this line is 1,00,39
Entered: 11,53,20
